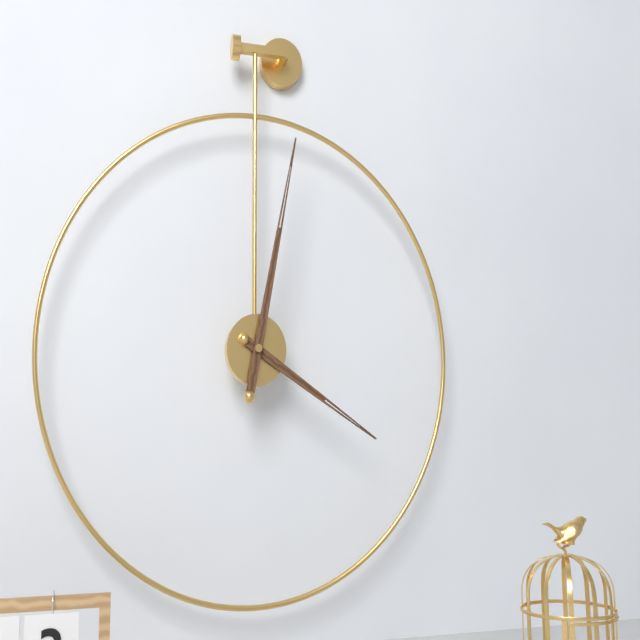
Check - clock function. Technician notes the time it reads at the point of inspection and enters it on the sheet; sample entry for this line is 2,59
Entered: 4,02
